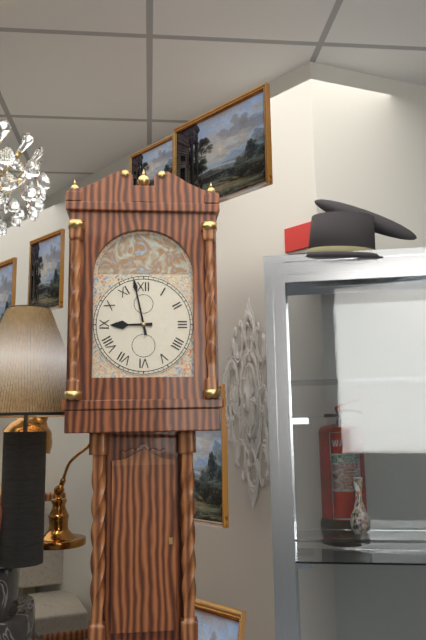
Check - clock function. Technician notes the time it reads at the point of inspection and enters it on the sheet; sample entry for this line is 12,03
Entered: 8,58
